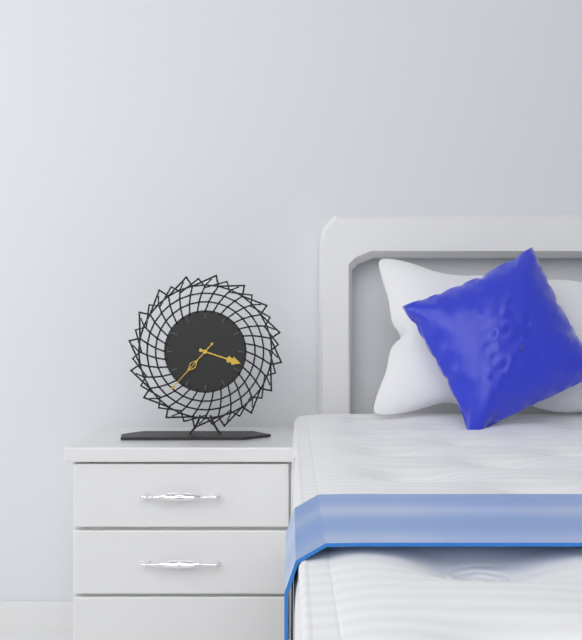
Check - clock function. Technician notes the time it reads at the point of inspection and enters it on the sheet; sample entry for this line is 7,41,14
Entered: 3,37,37
